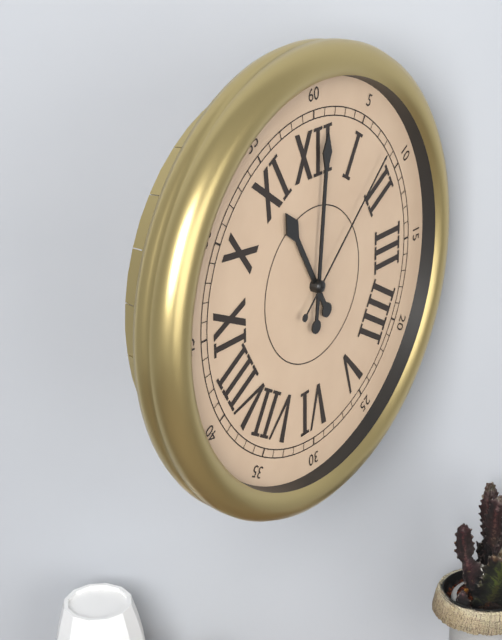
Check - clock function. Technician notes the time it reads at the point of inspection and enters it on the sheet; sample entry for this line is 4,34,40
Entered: 11,01,08
